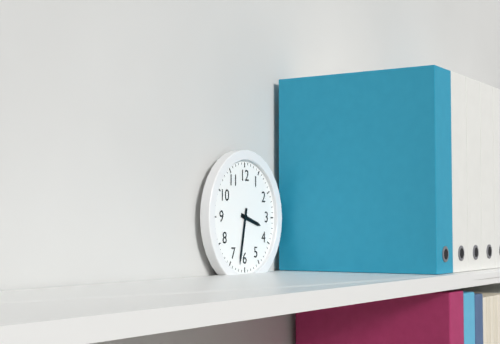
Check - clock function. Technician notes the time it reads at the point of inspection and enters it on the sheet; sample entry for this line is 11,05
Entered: 3,32
